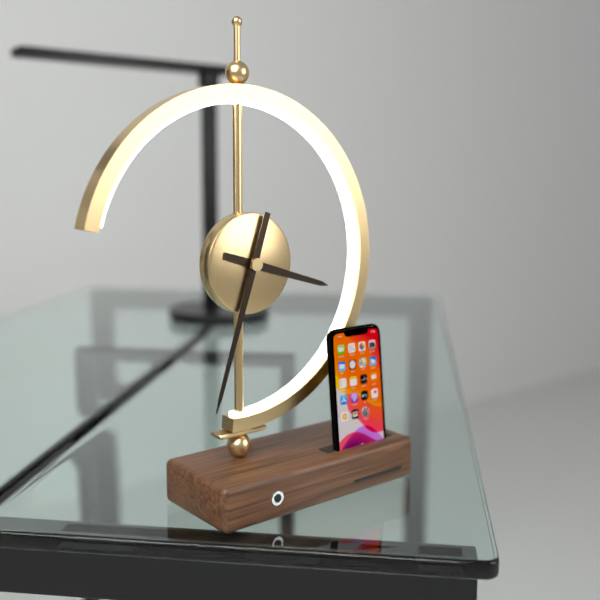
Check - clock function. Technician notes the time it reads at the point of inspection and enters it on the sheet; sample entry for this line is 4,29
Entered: 3,33
